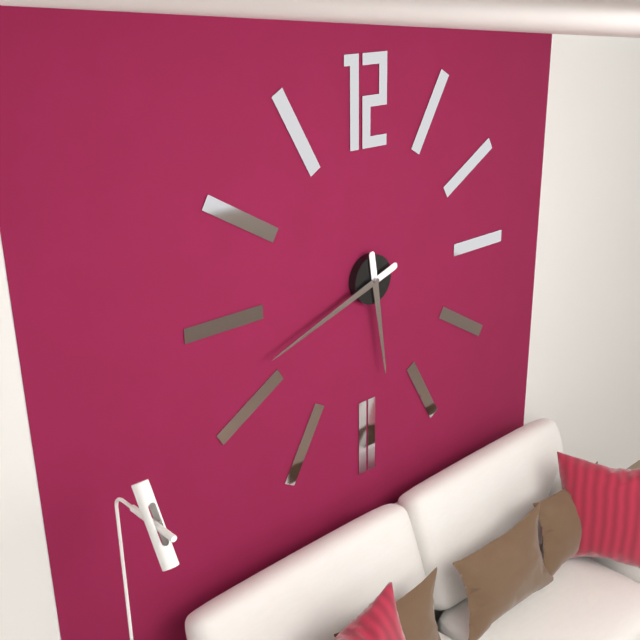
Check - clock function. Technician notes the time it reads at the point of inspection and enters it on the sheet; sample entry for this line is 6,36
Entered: 5,42
